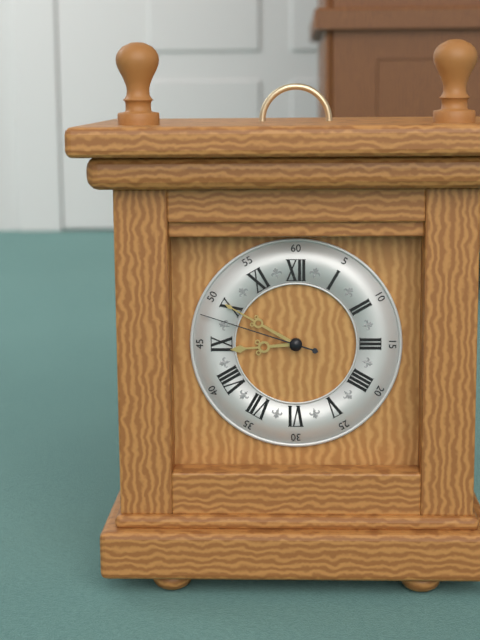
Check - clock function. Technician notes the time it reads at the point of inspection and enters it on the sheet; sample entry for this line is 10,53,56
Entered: 8,50,48
